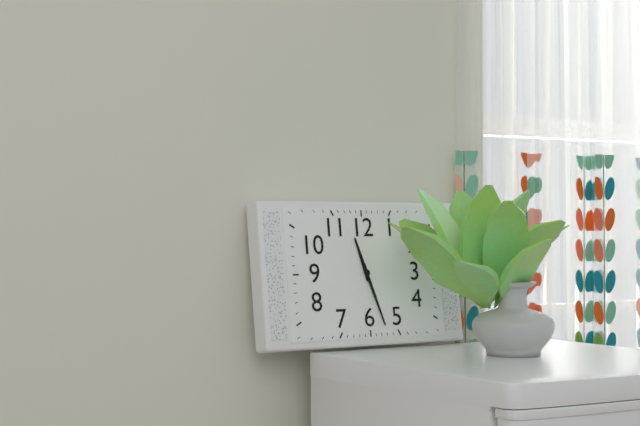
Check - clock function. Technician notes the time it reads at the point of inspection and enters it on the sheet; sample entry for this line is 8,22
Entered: 11,27
